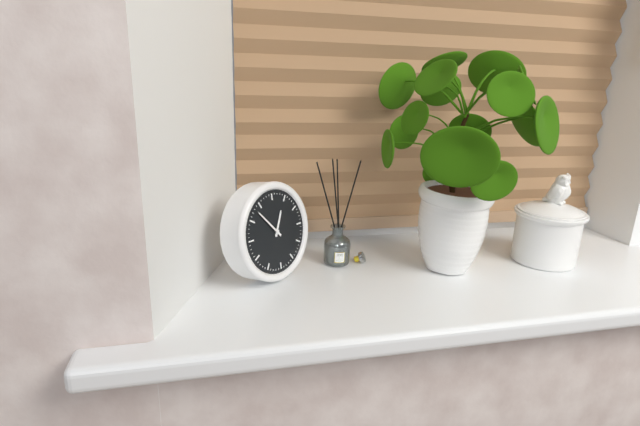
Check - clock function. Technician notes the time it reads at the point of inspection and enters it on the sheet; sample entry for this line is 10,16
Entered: 12,53
